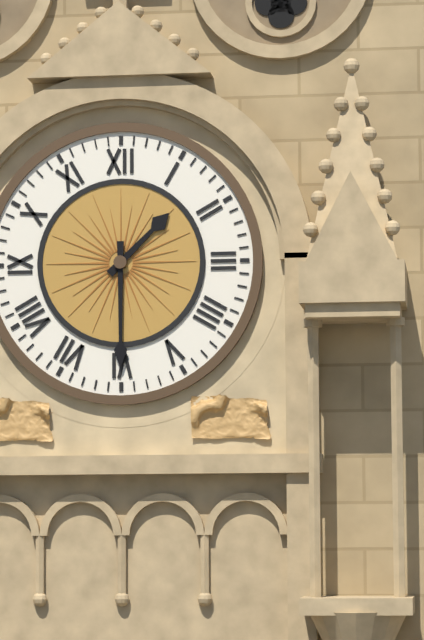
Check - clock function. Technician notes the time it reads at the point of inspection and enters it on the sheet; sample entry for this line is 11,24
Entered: 1,30
